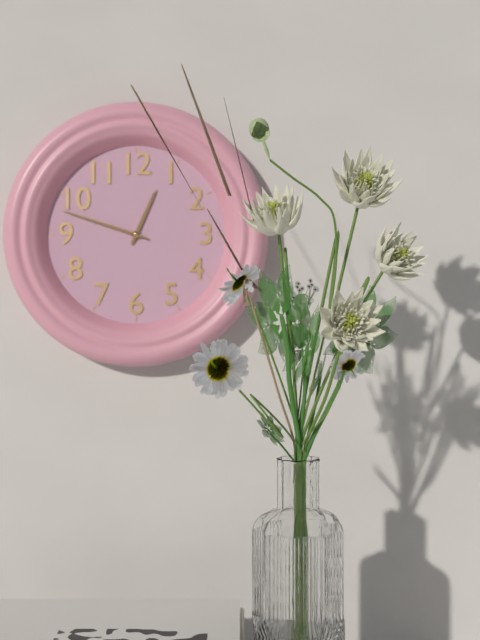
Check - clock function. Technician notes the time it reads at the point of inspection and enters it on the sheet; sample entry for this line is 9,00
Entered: 12,48
